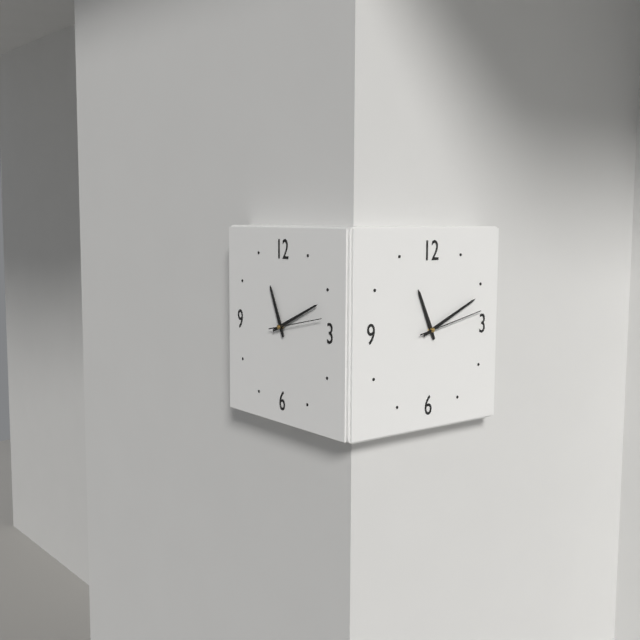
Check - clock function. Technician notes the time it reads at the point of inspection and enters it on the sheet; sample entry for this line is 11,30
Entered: 11,11
